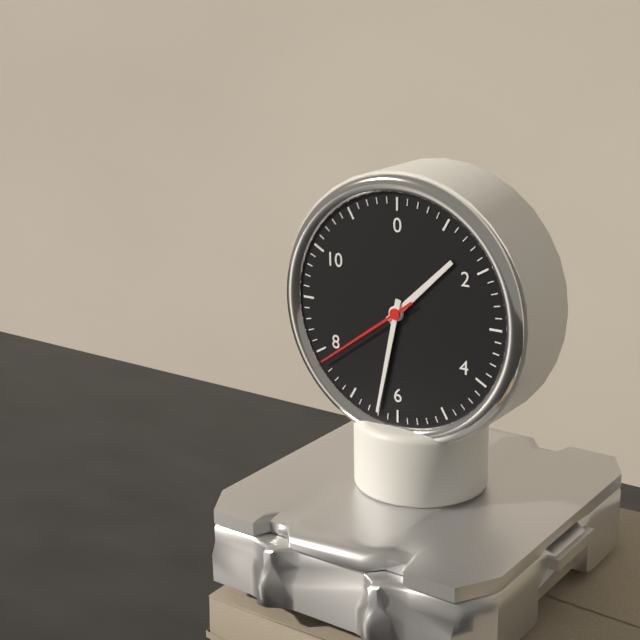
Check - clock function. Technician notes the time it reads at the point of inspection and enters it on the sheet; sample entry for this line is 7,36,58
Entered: 1,32,39
